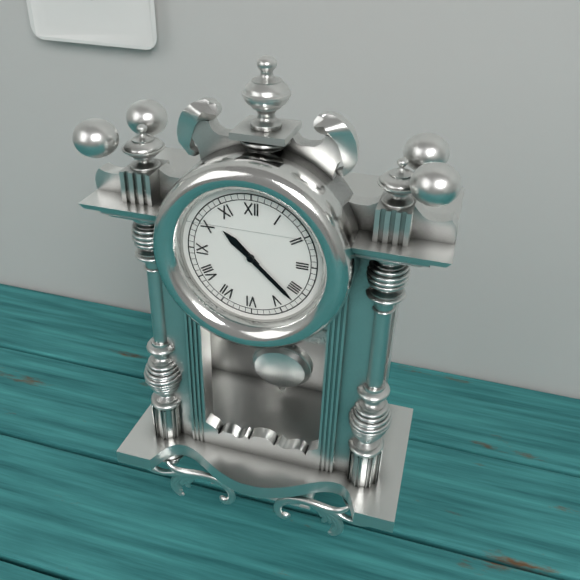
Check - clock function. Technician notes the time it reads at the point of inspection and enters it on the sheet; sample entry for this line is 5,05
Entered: 10,22
